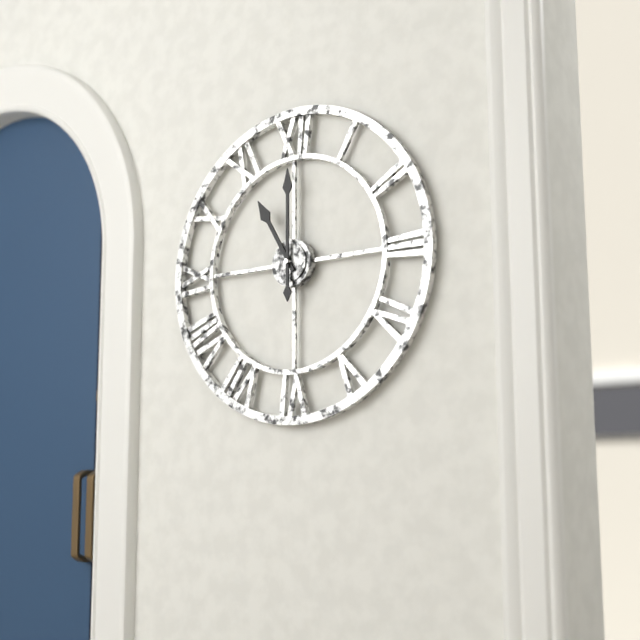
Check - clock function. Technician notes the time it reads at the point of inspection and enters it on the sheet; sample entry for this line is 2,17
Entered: 11,00
